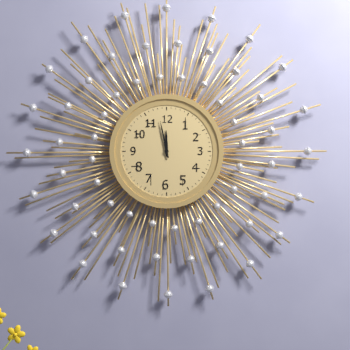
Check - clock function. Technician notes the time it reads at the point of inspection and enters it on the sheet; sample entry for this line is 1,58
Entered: 11,58
